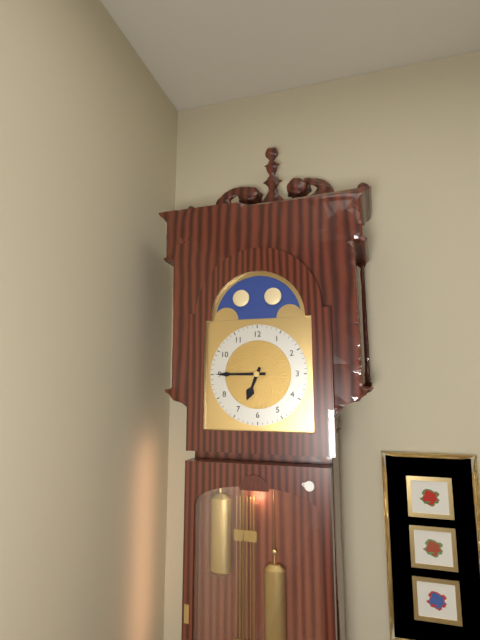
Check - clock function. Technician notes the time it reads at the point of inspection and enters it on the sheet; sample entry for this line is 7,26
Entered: 6,45
